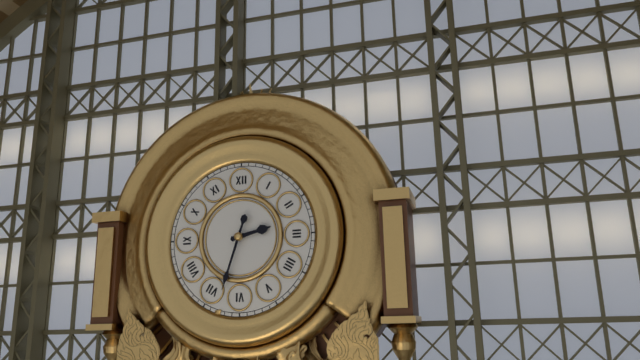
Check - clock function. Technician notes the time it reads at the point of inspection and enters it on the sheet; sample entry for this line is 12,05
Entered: 2,33
